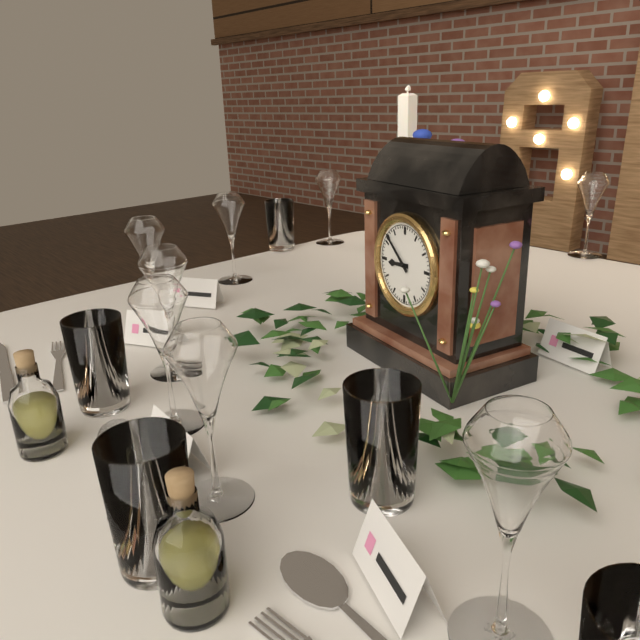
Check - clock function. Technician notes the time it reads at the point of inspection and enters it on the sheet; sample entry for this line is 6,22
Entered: 8,52
